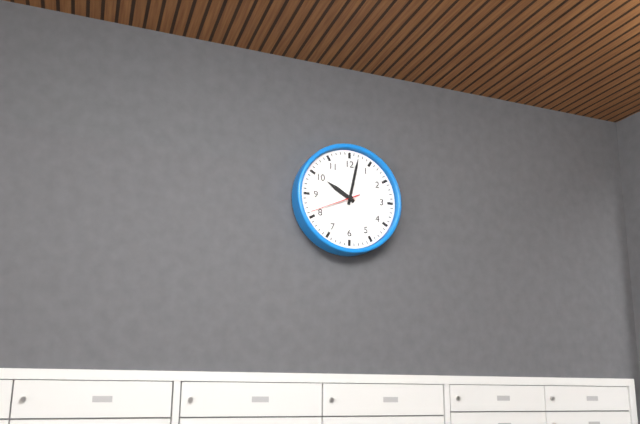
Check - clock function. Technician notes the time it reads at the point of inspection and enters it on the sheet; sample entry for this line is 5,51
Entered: 10,02
